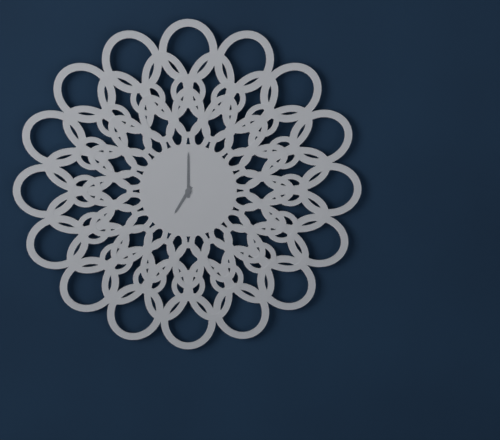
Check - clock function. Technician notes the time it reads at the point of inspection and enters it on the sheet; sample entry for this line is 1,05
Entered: 7,00
